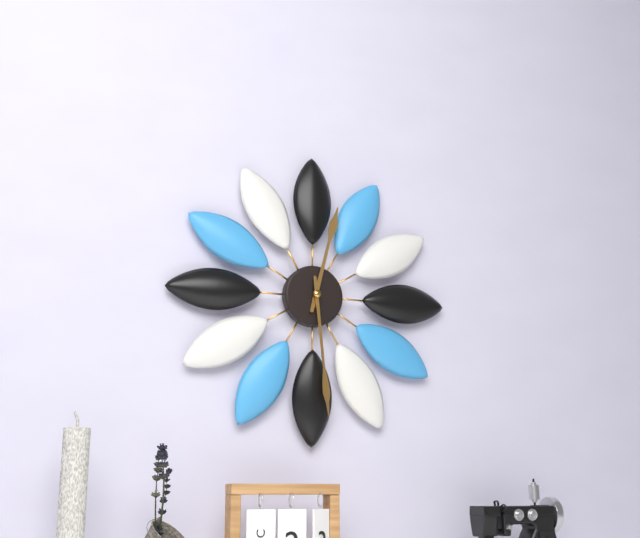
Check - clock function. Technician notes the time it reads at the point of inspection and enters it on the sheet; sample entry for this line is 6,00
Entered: 12,29
